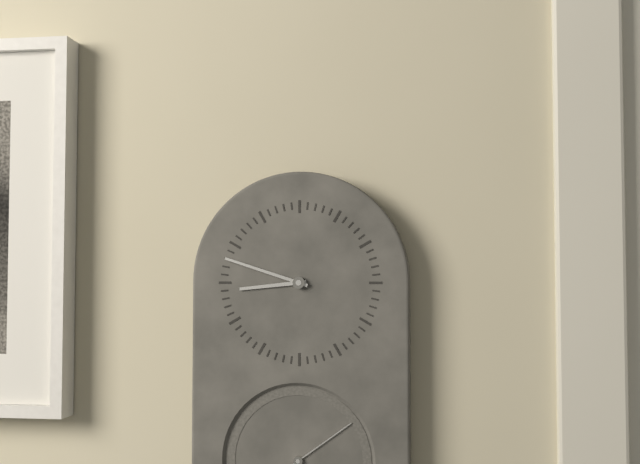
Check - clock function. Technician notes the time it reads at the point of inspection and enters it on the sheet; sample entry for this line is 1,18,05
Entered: 8,48,09
